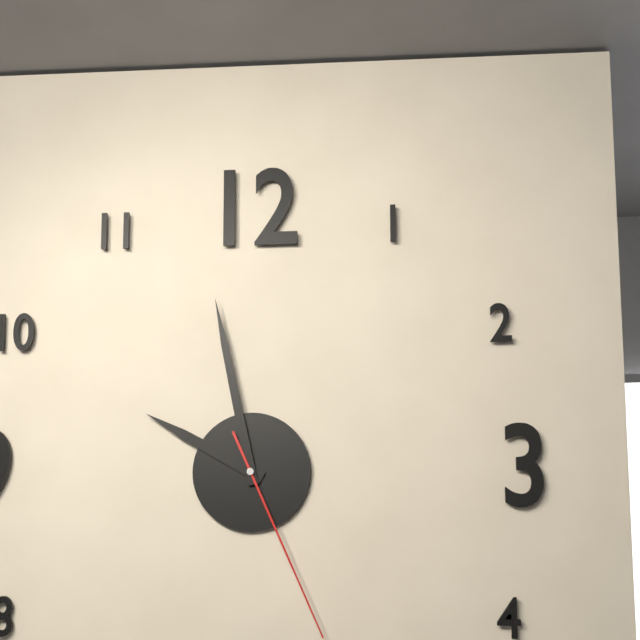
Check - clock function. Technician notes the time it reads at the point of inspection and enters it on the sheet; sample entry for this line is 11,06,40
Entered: 9,58,26
